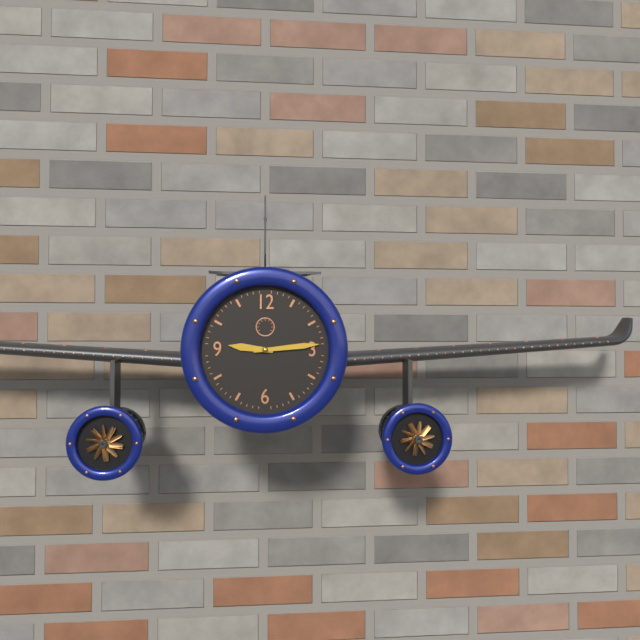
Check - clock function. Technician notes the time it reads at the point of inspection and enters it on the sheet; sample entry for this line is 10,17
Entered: 9,14
